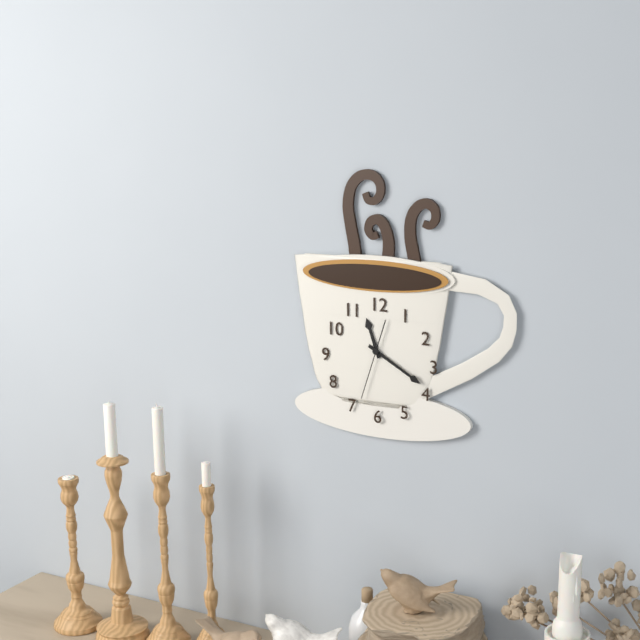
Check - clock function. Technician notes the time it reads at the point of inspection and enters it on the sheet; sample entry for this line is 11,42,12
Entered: 11,20,33
